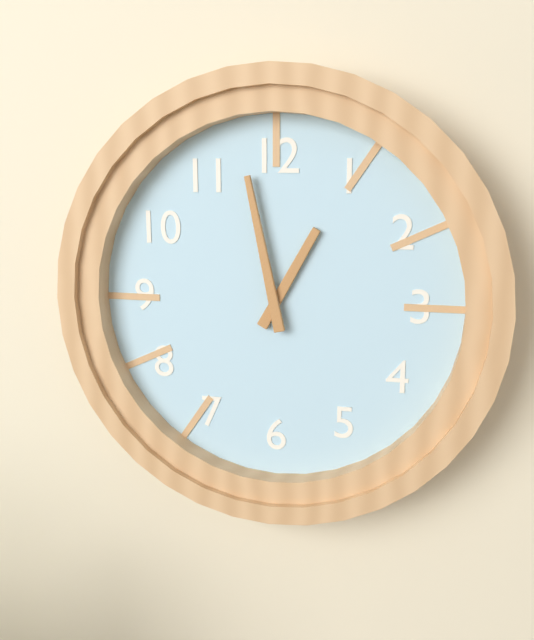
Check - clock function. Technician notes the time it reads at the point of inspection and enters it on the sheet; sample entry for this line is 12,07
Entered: 12,58
